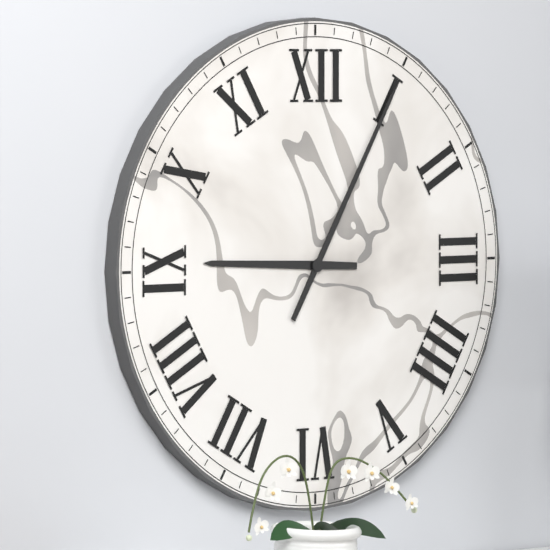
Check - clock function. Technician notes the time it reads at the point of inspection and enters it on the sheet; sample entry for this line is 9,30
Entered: 9,05
